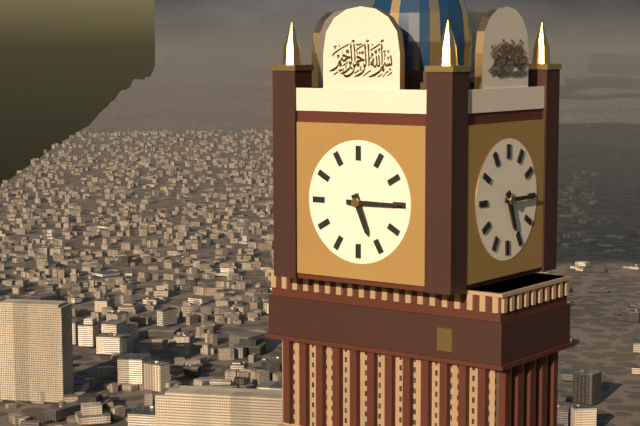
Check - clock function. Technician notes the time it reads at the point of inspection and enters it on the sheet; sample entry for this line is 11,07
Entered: 5,15
